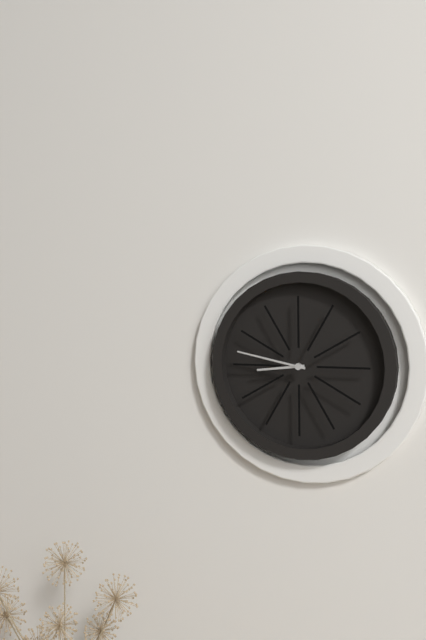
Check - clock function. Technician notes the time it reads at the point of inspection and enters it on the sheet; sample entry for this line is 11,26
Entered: 8,47
